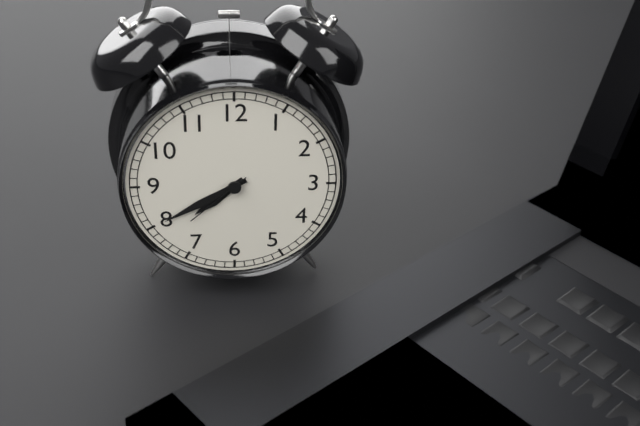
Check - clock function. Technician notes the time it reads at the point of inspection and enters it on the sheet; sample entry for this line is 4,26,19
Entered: 7,40,38
